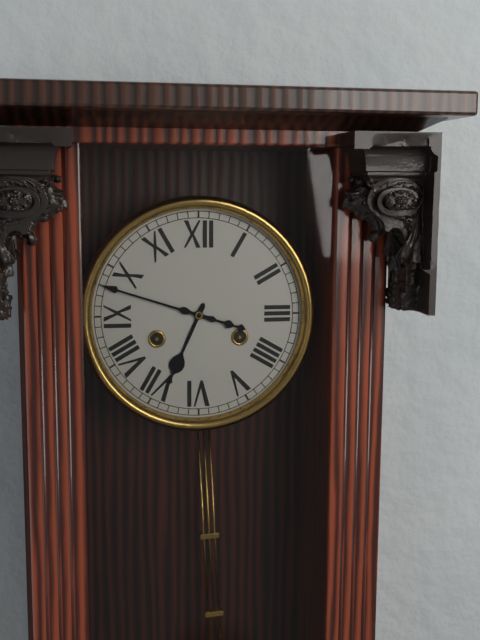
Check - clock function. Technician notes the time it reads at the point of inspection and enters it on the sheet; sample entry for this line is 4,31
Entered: 6,48
